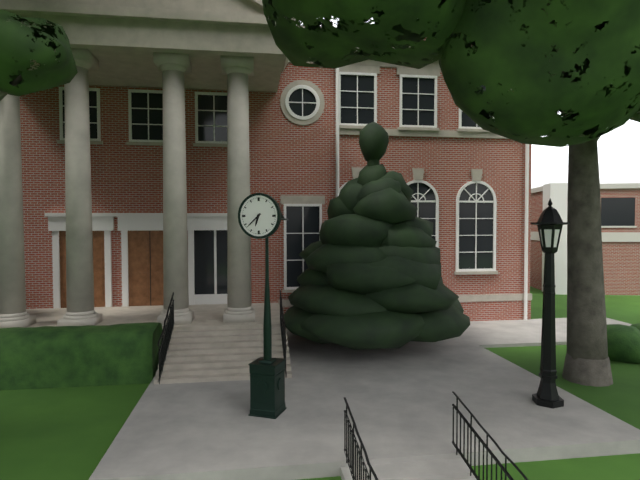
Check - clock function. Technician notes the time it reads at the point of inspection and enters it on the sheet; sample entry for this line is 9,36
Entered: 6,38
